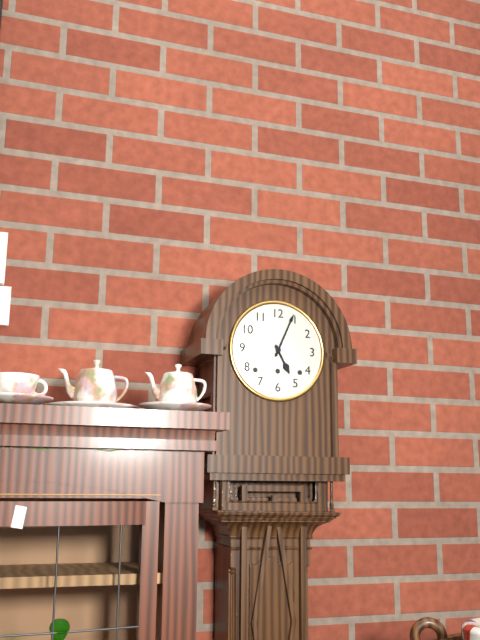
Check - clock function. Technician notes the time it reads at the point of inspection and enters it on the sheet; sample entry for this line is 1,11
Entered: 5,04
